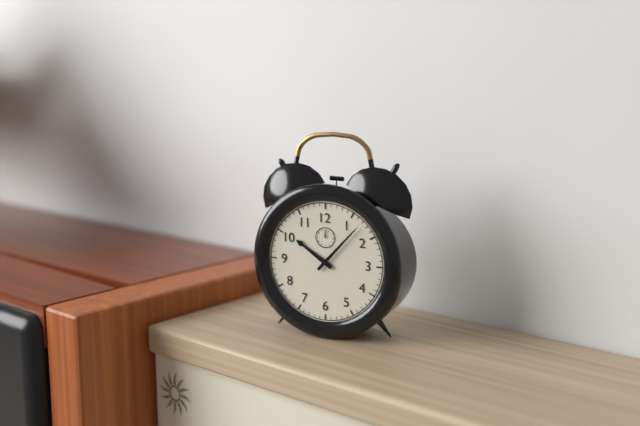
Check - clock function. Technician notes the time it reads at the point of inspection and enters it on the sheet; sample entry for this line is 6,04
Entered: 10,07
